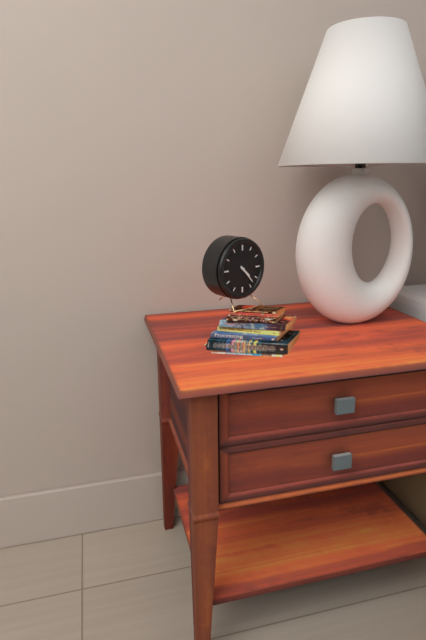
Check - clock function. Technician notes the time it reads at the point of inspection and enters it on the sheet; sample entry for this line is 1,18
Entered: 4,23
